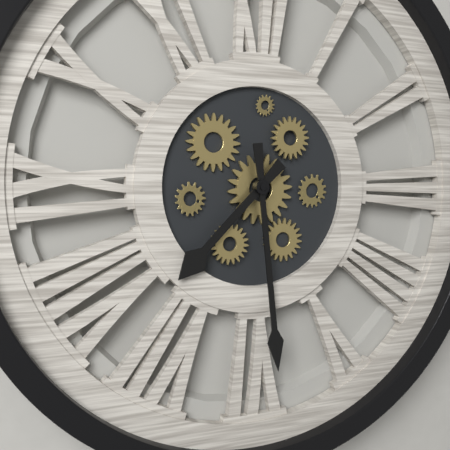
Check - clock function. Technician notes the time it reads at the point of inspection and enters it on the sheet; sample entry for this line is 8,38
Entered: 7,29
